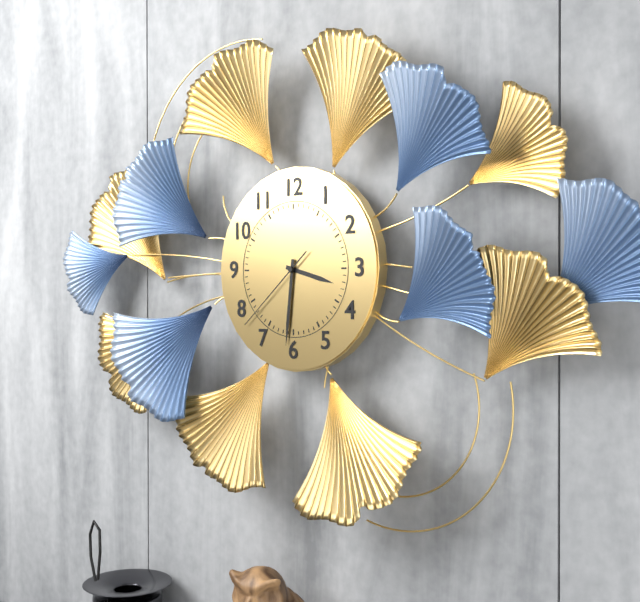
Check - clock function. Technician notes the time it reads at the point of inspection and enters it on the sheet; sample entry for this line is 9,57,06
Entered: 3,31,38
